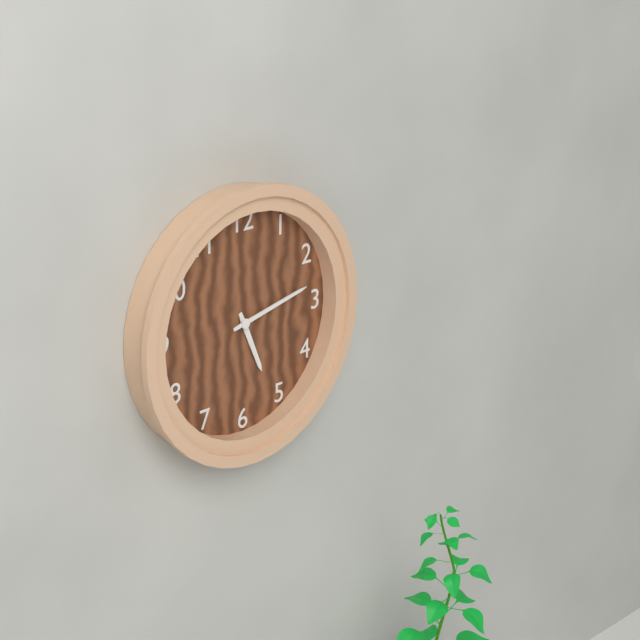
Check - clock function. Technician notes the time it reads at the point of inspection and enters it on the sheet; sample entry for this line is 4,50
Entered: 5,13
